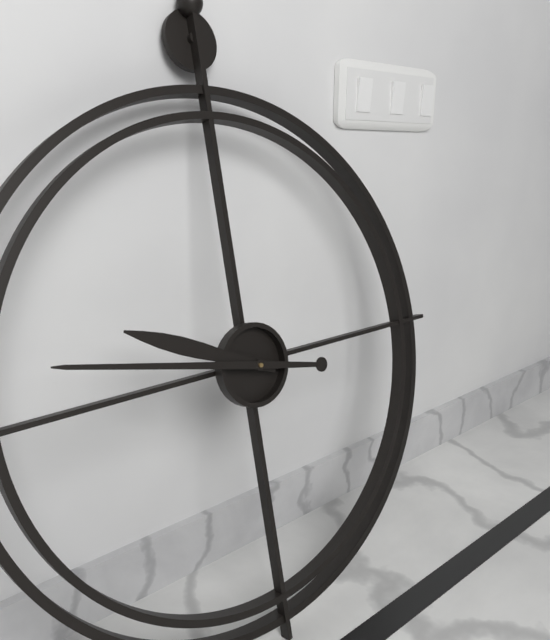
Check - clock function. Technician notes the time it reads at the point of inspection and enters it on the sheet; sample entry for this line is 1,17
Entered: 9,47
